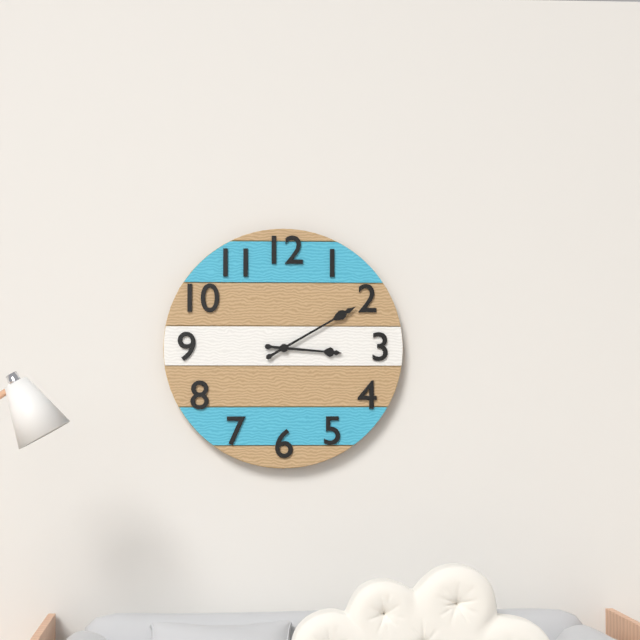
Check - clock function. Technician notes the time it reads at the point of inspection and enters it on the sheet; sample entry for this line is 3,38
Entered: 3,10
